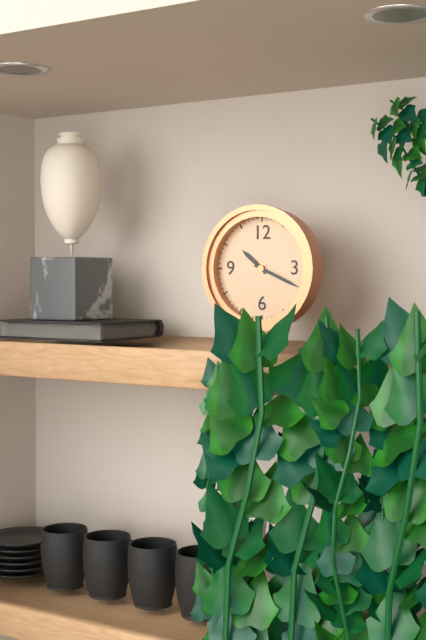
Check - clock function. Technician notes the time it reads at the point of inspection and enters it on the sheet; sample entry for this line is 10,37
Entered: 10,19
